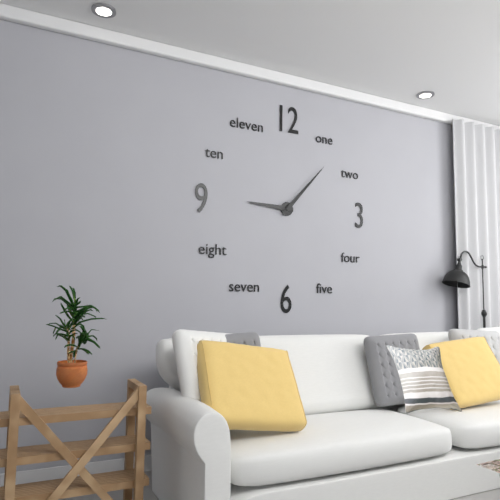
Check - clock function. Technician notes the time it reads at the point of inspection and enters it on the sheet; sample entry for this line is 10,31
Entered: 9,07
